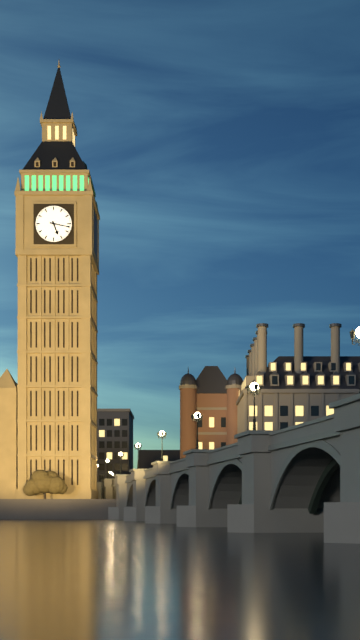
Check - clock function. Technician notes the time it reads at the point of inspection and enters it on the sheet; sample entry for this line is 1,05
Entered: 5,17
